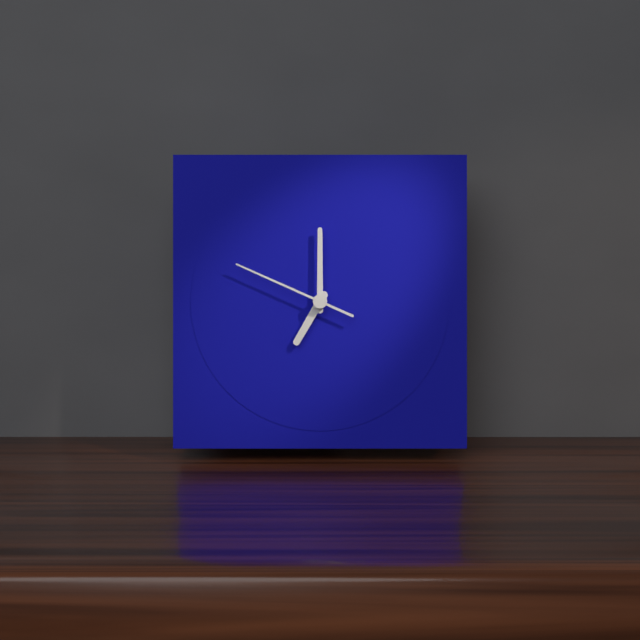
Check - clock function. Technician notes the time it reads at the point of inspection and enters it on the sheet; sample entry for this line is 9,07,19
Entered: 7,00,49
